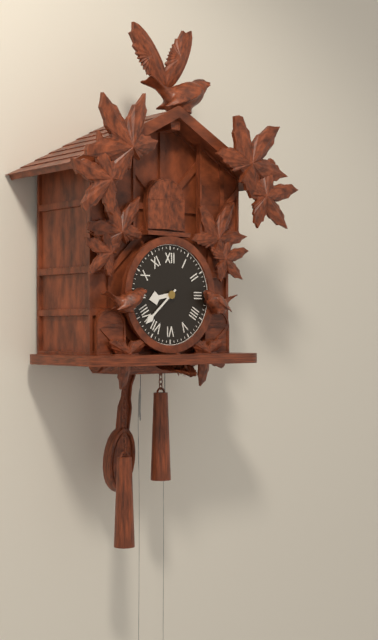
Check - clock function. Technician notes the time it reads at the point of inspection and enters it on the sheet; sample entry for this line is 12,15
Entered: 8,38
